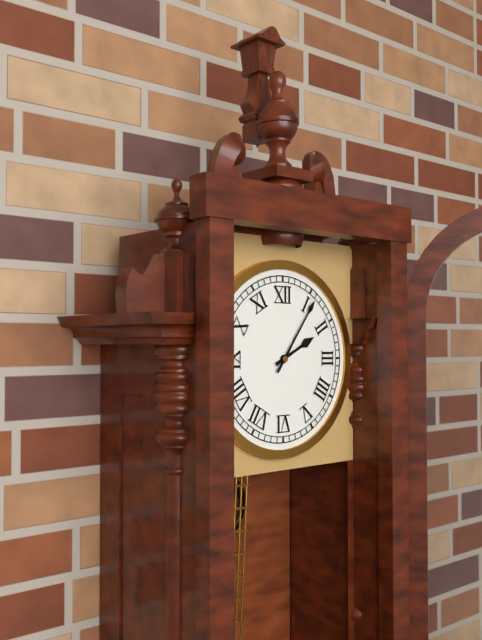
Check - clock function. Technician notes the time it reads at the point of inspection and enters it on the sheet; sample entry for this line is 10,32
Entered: 2,06
